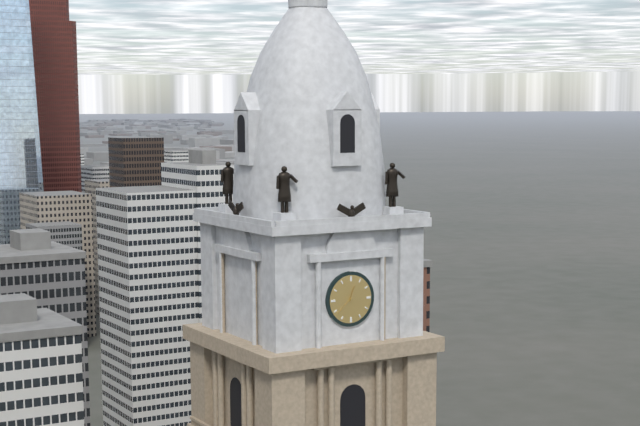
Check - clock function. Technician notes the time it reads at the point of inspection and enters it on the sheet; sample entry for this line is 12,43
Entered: 12,38
